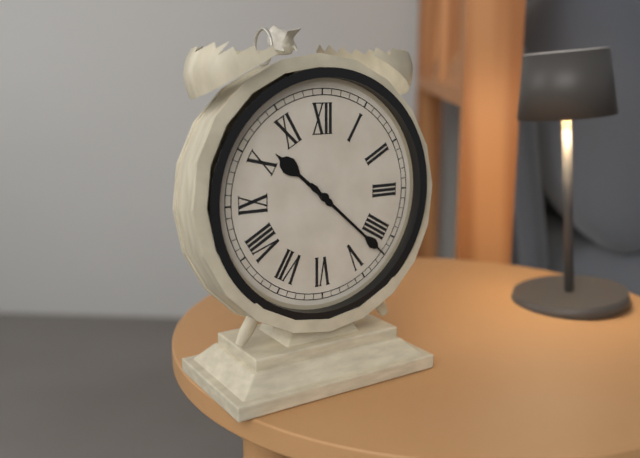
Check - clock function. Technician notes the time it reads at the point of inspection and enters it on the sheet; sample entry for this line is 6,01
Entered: 10,22
